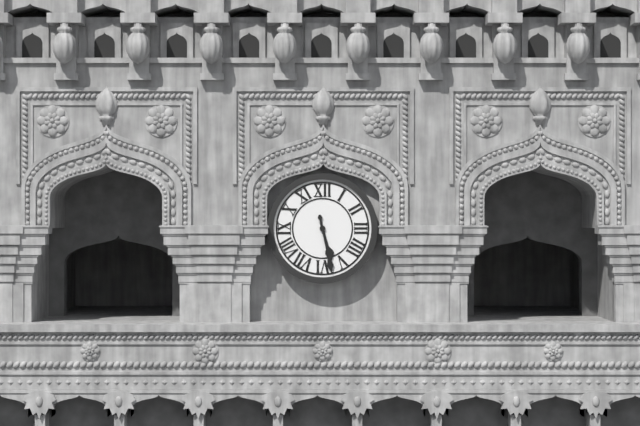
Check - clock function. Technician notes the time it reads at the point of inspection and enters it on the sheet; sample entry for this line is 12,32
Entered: 5,28
